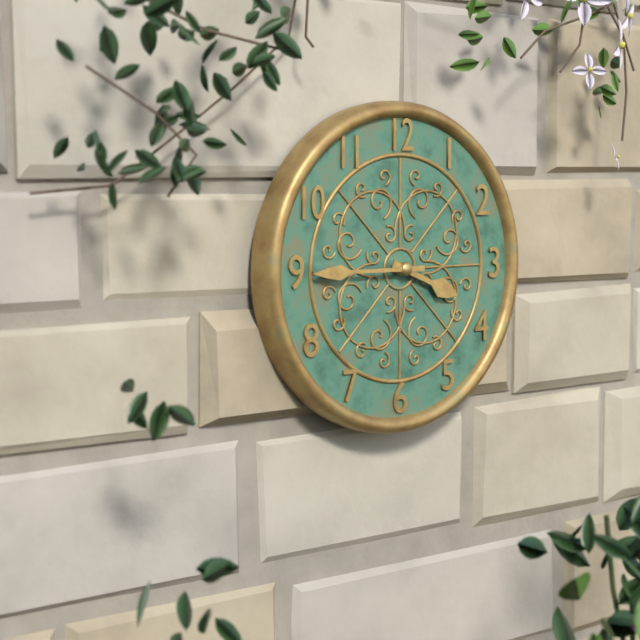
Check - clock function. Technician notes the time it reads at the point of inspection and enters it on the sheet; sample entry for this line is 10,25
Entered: 3,45
